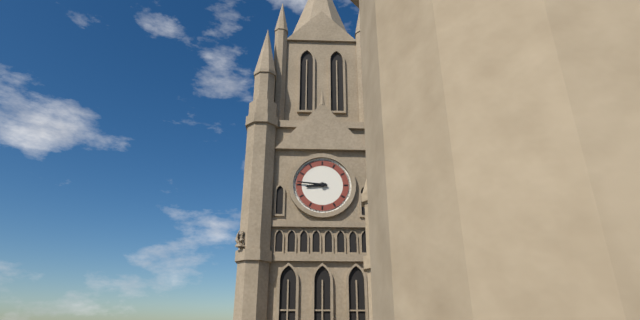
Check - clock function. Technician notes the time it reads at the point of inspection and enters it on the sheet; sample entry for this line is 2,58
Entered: 8,46
